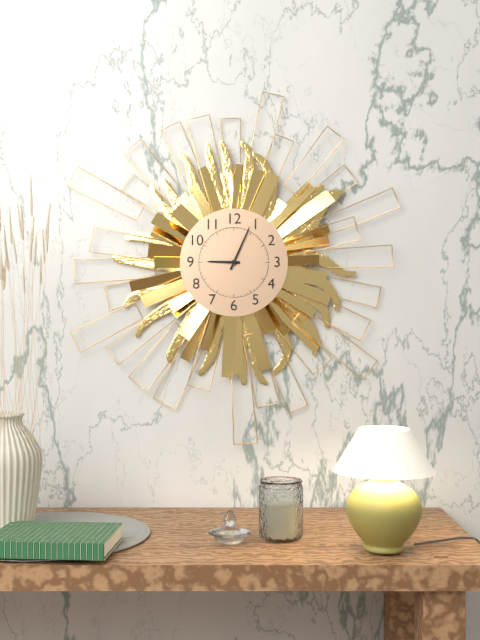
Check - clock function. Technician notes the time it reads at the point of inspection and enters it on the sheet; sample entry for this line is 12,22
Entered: 9,04
